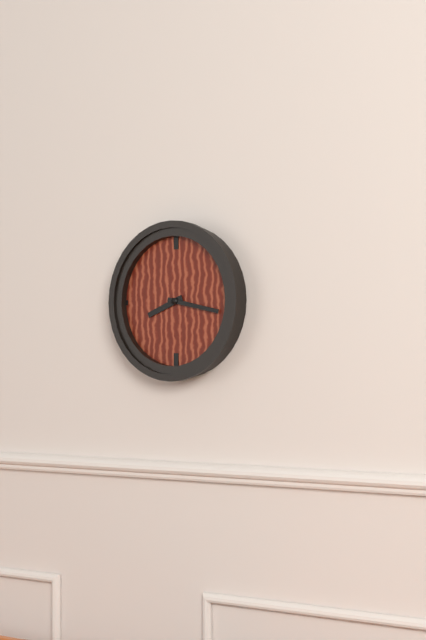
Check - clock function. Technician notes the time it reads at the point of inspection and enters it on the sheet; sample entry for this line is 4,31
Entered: 8,17
